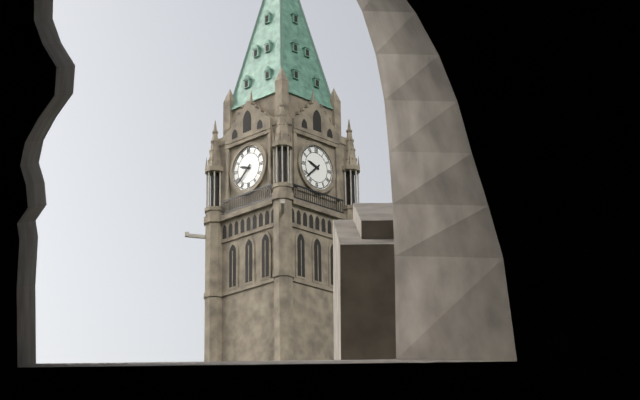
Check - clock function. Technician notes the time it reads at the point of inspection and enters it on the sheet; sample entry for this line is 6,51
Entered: 9,38
